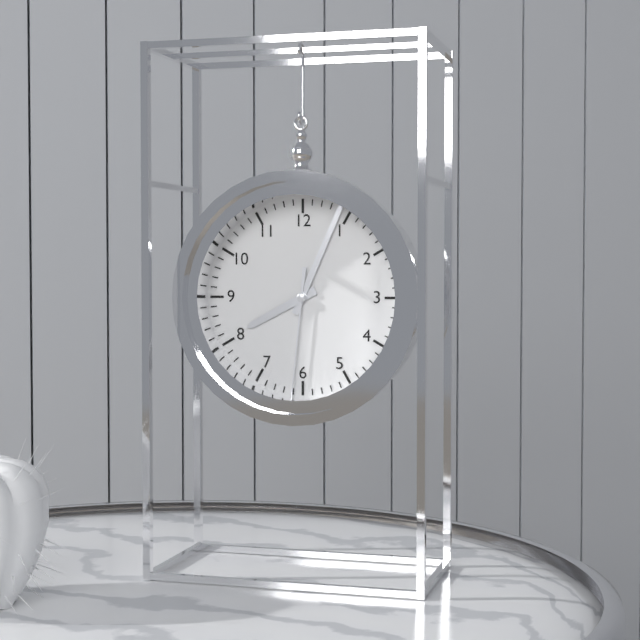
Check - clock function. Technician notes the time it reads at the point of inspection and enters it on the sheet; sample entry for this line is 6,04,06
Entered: 8,04,31
